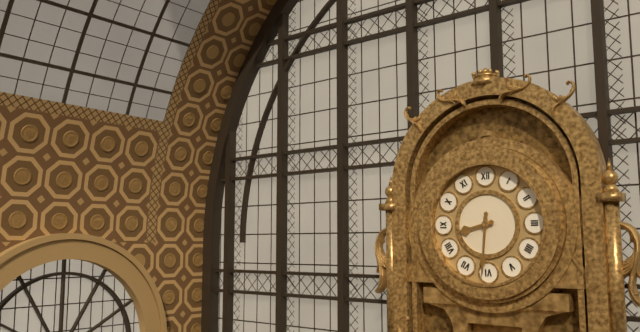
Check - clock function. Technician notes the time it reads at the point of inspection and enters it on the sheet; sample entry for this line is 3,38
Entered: 8,31
